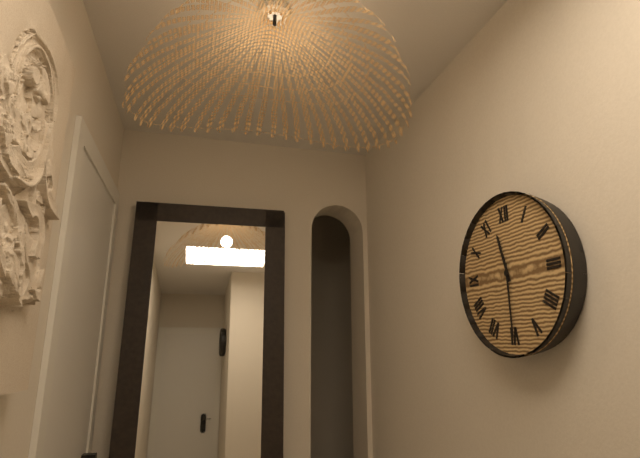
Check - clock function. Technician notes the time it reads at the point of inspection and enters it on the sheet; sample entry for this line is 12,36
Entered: 11,30
